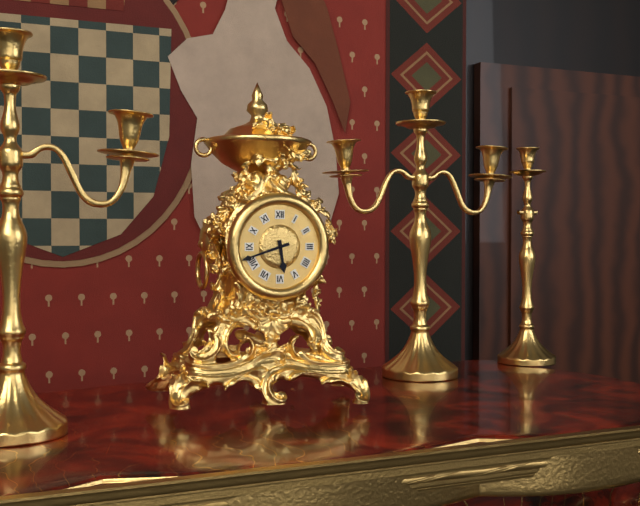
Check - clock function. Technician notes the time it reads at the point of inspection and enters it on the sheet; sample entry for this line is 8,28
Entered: 5,42
